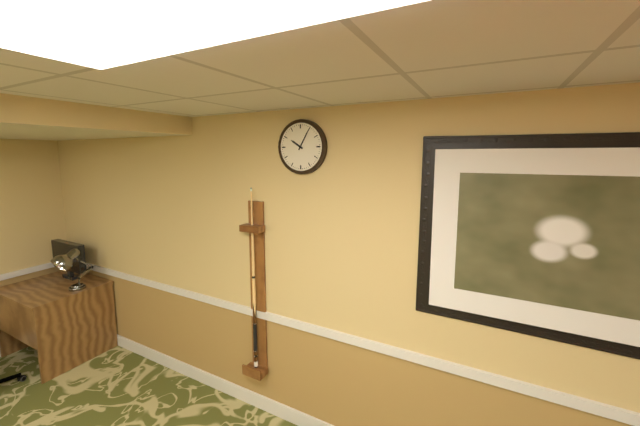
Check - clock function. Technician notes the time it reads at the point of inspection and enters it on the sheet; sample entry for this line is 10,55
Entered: 10,05
